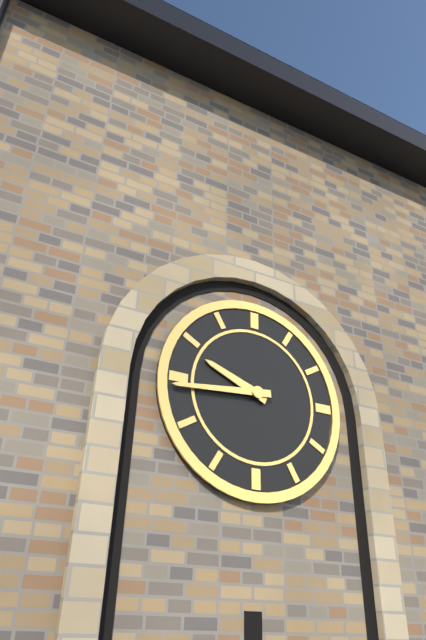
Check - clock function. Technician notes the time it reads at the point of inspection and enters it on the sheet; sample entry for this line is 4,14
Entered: 9,44
